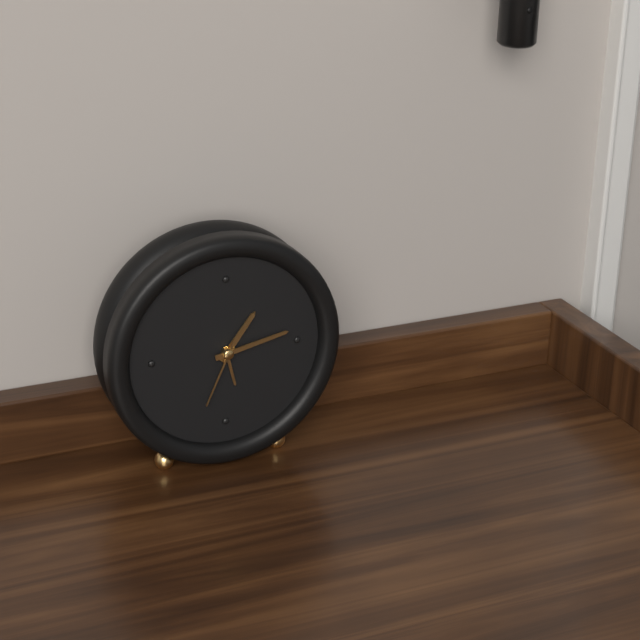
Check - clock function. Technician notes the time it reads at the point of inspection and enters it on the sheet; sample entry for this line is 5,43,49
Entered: 1,13,34
